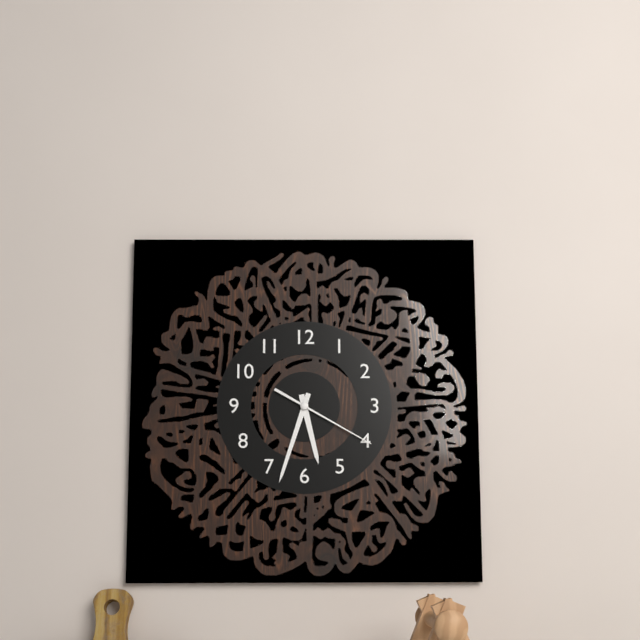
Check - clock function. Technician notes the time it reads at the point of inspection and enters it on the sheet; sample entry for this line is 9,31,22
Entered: 5,33,20
